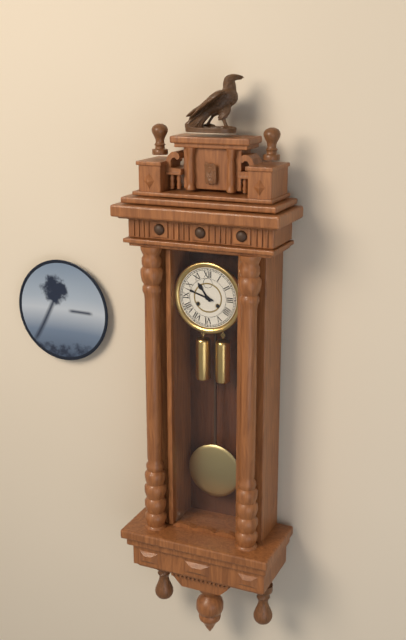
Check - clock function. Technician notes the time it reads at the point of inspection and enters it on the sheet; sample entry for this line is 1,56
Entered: 10,48
